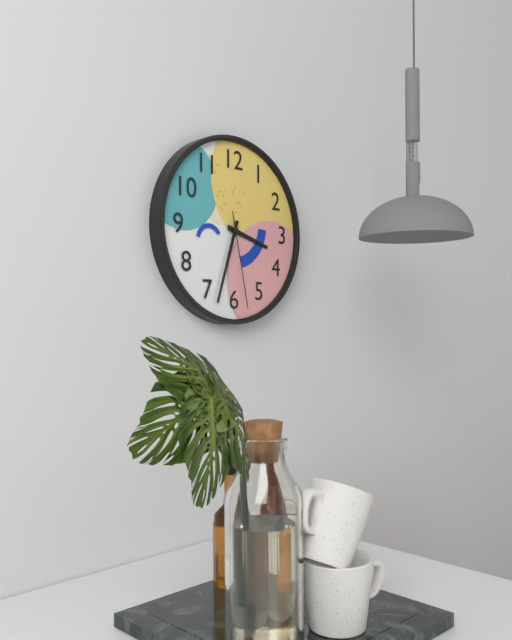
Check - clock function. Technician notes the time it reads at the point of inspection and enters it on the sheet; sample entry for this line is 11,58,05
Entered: 3,33,28
